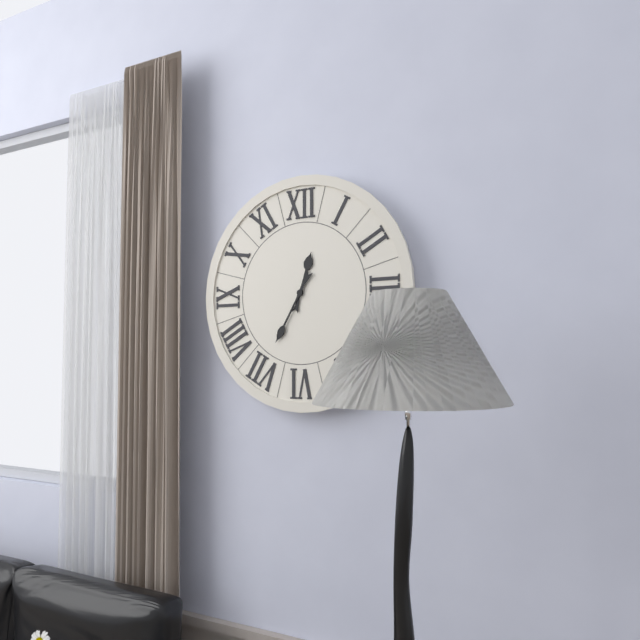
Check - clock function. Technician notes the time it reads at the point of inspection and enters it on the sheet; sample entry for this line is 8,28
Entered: 12,35
